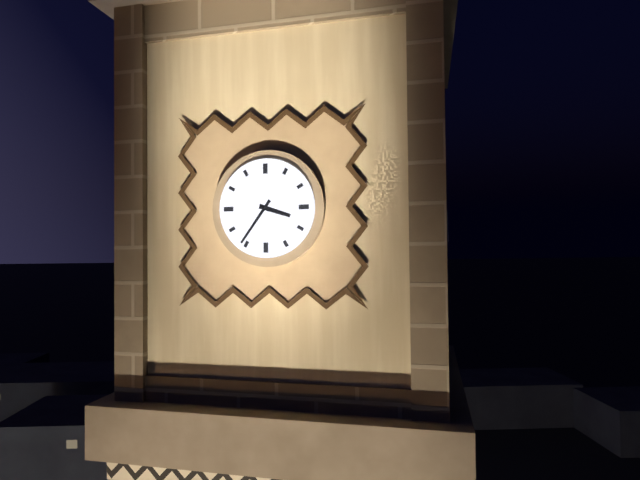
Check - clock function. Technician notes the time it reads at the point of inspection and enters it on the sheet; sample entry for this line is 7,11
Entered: 3,36
